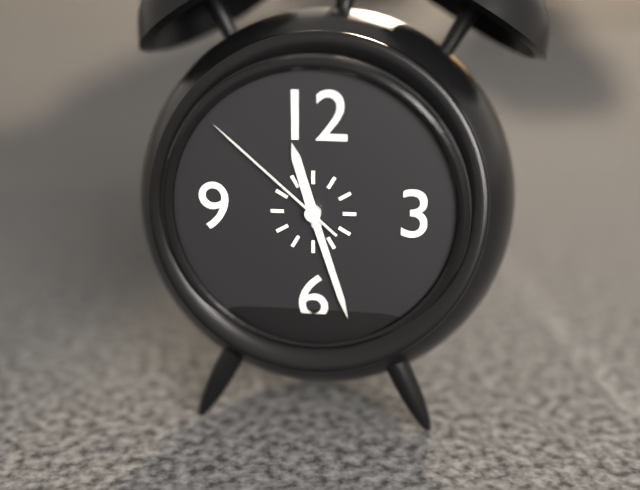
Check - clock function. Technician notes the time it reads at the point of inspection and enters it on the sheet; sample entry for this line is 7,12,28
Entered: 11,27,52
